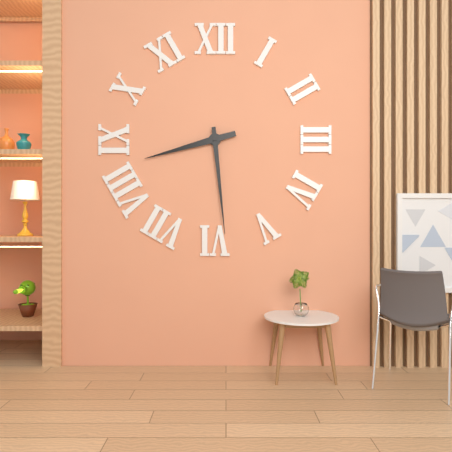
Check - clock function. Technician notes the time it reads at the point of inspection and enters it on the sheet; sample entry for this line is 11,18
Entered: 8,29
